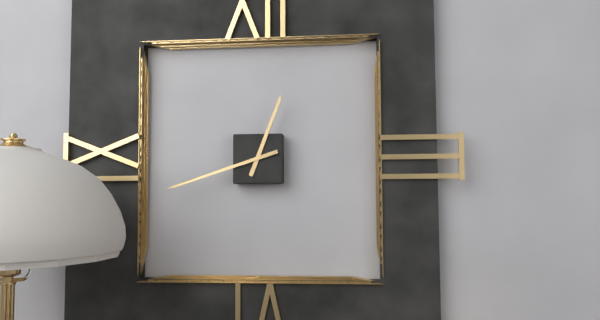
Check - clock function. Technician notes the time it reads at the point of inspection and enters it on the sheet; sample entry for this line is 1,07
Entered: 12,42
